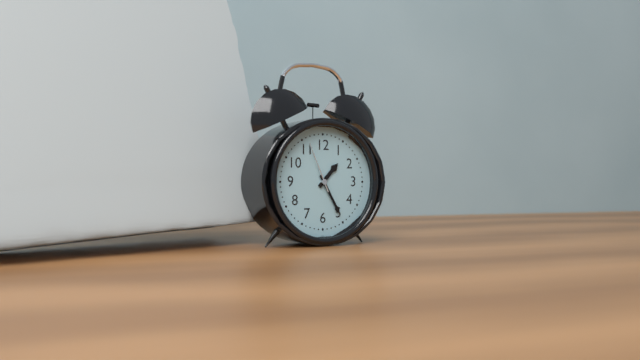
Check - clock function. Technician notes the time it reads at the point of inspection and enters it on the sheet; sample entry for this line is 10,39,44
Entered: 1,25,56
